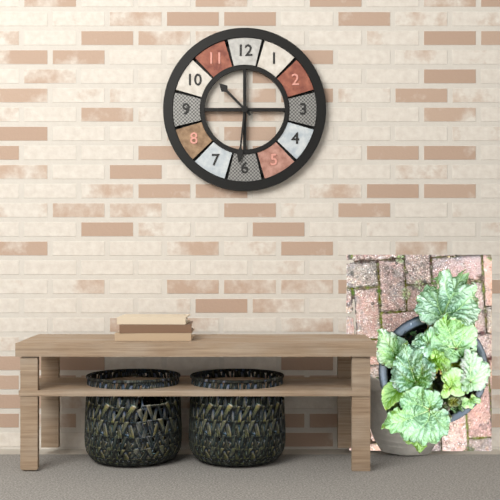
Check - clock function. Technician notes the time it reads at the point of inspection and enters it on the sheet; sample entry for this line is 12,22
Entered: 10,31
